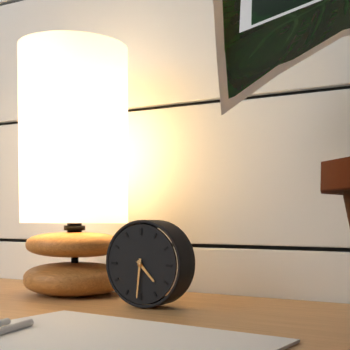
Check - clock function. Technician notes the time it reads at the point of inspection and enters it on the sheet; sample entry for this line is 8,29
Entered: 4,31
